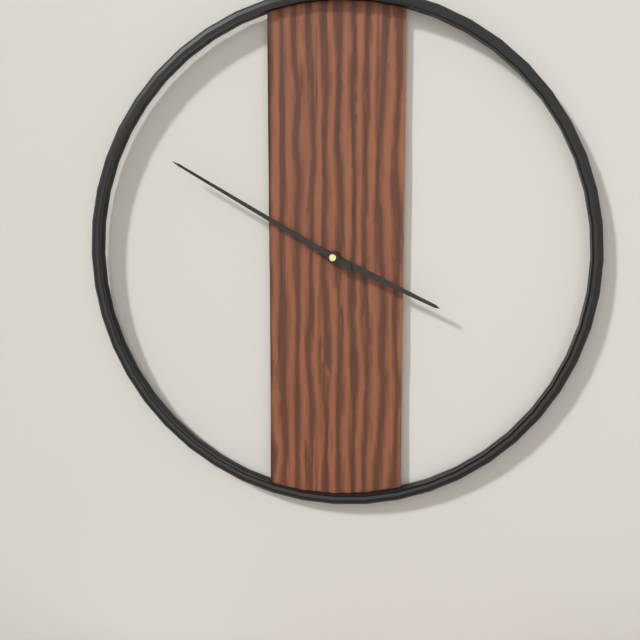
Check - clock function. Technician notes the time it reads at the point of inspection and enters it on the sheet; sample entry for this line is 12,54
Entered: 3,50
